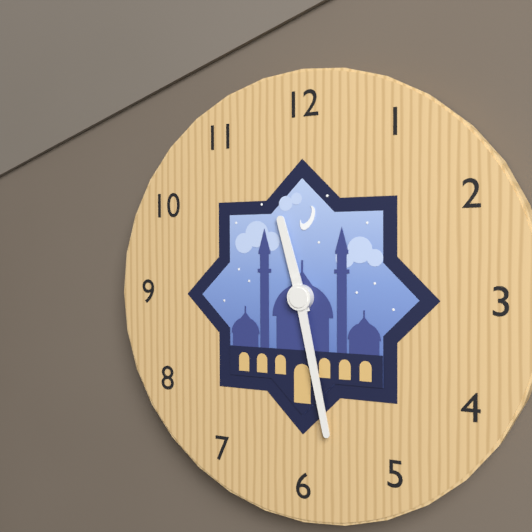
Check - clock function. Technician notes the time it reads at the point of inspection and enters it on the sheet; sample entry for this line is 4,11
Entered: 11,28
